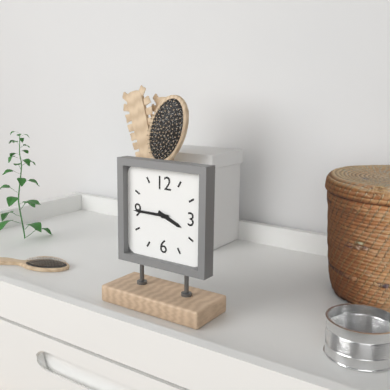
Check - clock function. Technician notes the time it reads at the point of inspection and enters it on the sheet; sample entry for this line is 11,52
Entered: 3,45
